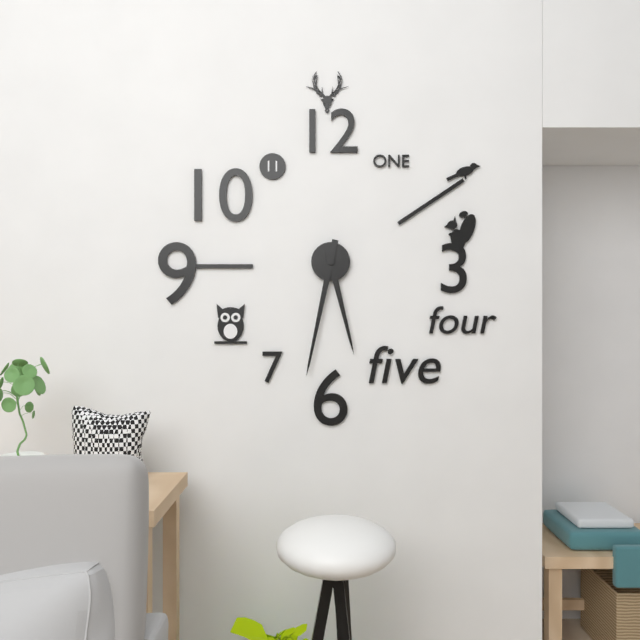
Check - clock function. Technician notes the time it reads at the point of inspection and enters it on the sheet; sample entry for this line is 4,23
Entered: 5,32
